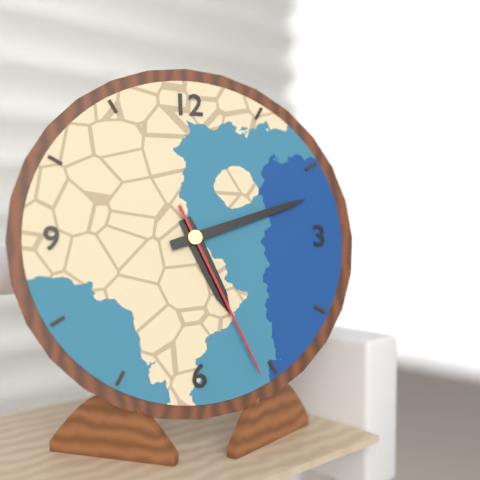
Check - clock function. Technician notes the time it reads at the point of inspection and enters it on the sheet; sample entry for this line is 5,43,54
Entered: 5,12,26
